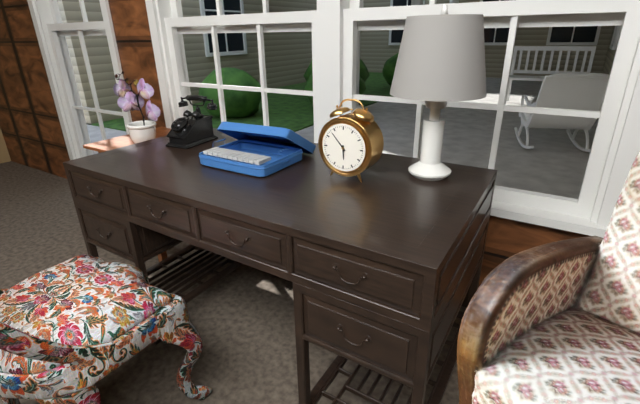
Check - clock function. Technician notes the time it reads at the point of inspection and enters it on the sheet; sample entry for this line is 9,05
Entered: 5,53
